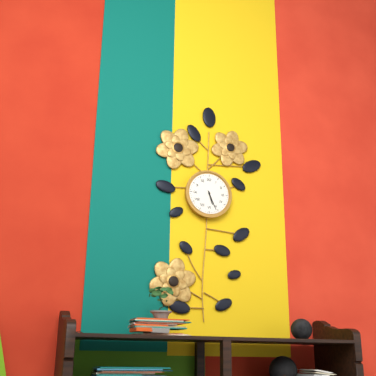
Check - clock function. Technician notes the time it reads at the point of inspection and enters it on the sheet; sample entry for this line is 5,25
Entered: 5,26
